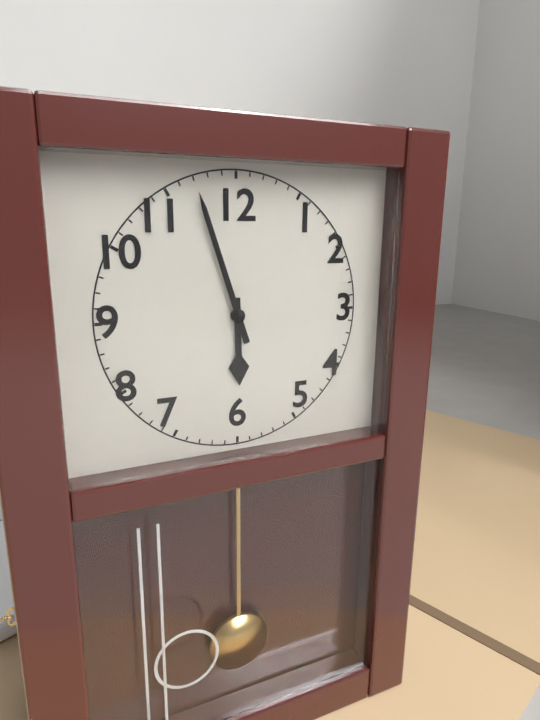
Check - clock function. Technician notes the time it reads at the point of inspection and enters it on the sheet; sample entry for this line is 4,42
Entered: 5,57
